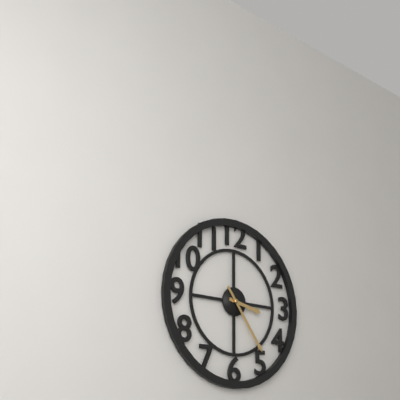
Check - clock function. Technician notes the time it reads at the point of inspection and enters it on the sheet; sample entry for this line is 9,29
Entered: 3,24
